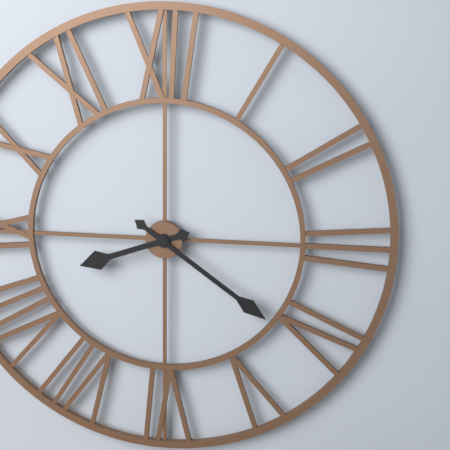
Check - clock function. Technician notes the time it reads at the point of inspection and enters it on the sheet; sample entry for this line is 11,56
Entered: 8,21
